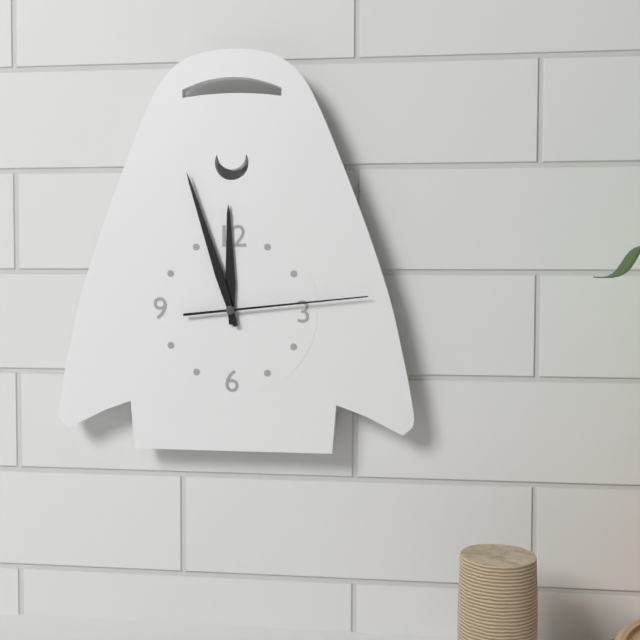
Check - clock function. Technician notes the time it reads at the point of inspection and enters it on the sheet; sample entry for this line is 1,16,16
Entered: 11,57,14
